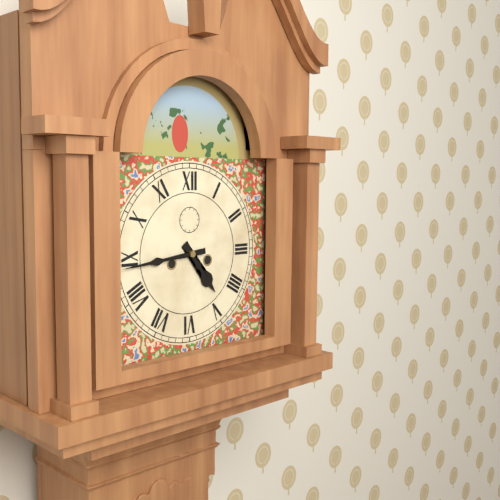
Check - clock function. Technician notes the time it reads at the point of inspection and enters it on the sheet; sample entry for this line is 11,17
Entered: 4,44
